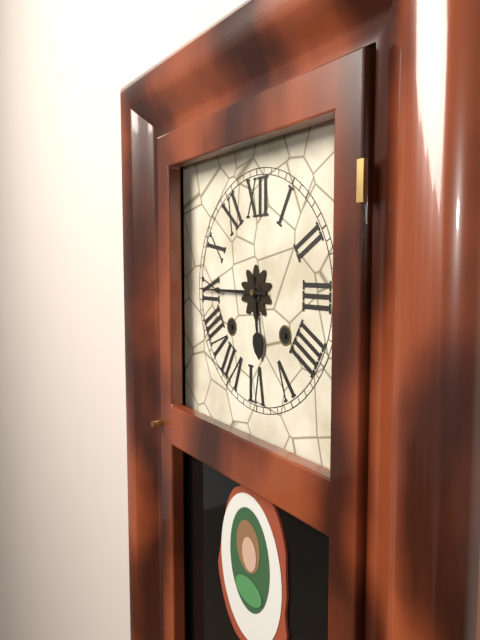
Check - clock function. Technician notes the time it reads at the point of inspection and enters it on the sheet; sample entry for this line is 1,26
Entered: 5,45
